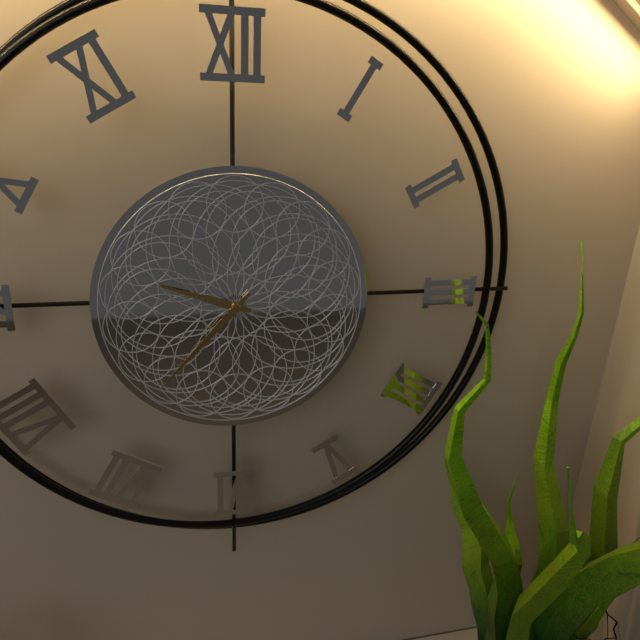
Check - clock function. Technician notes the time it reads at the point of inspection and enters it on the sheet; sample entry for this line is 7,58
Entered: 9,37
